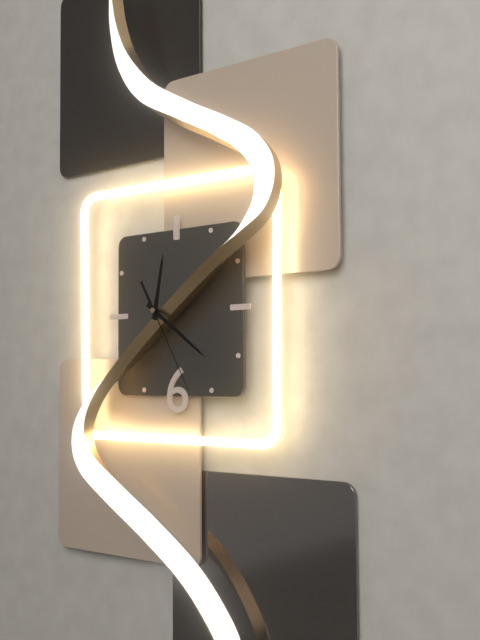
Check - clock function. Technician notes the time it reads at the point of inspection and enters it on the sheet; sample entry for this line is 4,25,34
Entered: 12,21,25
